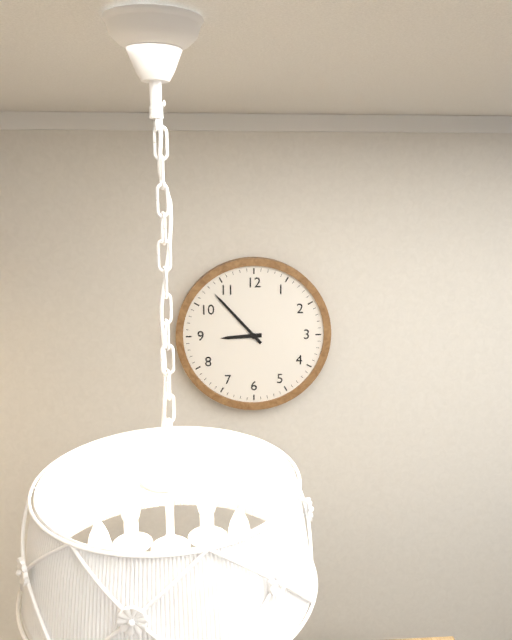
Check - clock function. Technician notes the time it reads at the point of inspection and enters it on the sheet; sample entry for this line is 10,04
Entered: 8,53
